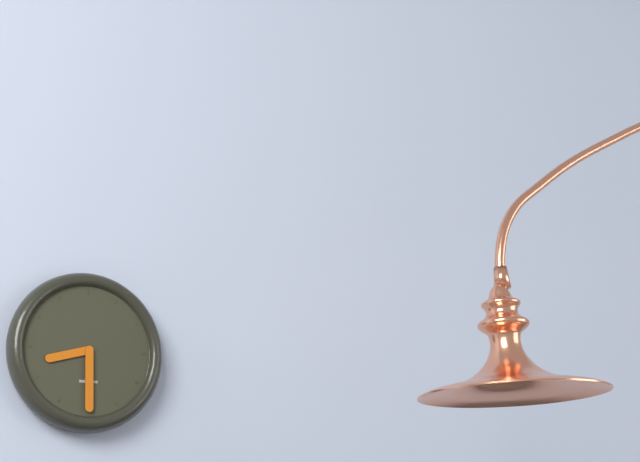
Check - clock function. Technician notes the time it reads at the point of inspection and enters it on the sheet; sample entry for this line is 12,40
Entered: 8,30
